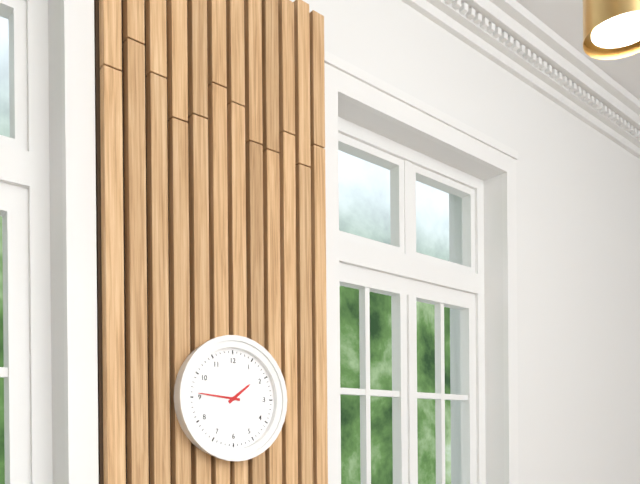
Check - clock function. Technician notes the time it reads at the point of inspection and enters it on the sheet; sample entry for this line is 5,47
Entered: 1,46
